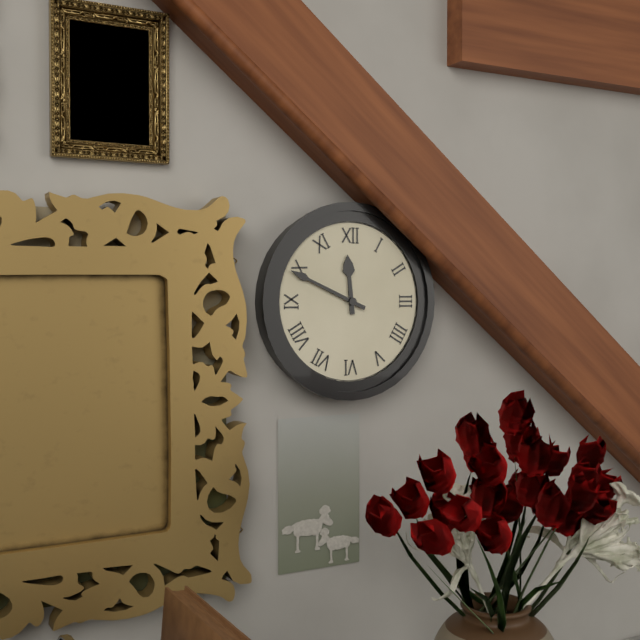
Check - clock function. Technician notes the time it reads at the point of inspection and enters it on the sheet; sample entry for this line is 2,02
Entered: 11,49
